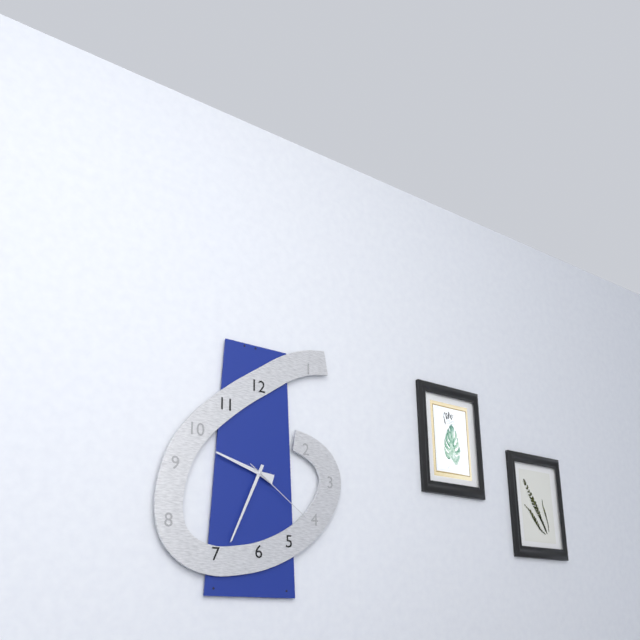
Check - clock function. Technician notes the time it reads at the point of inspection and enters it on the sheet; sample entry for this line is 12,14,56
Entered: 9,34,21
